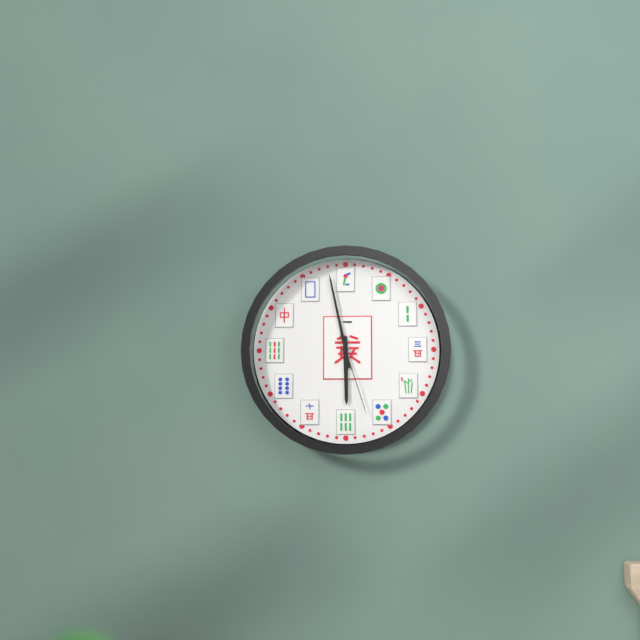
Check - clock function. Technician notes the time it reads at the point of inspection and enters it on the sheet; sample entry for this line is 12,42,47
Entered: 5,58,27
